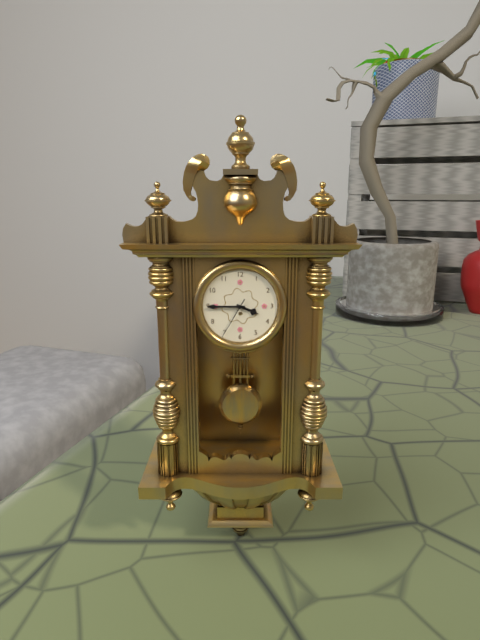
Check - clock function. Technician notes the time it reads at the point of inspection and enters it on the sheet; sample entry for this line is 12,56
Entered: 3,45
